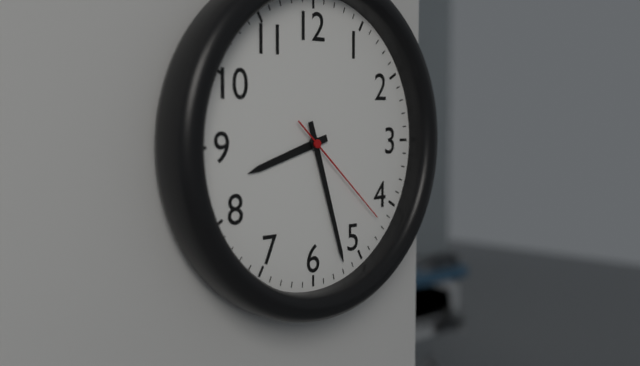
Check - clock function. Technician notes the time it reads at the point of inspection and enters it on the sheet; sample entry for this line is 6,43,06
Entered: 8,27,22
